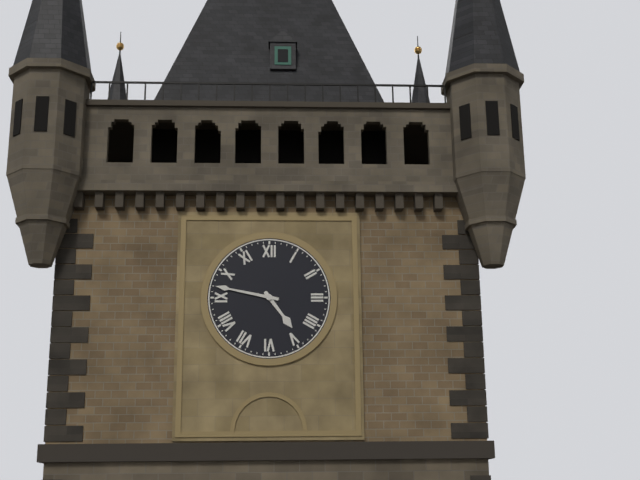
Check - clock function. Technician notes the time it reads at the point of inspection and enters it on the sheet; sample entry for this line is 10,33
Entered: 4,47
